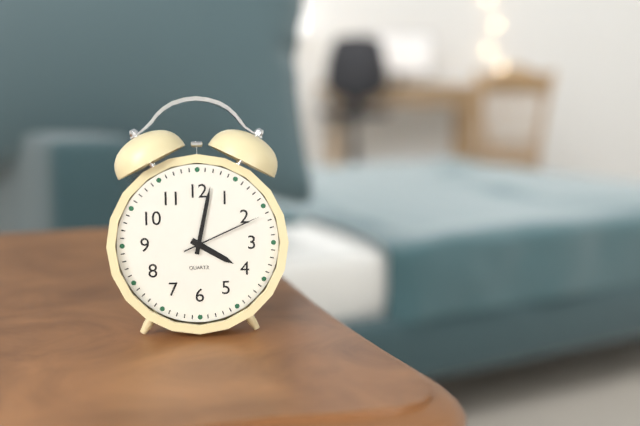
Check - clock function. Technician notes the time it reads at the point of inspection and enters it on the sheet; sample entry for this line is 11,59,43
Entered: 4,02,11
